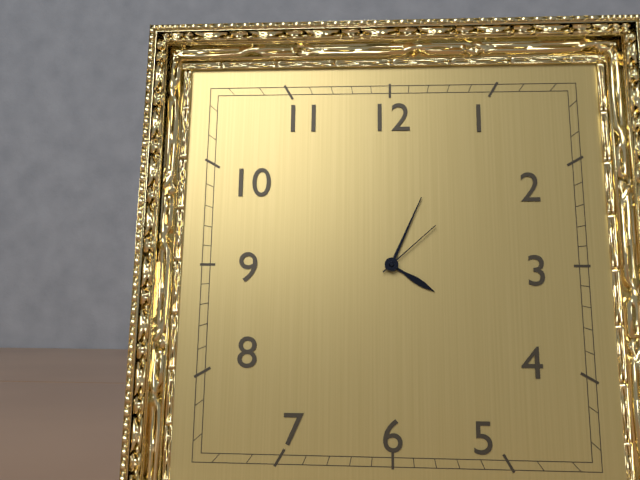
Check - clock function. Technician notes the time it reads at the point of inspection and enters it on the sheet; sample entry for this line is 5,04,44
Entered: 4,04,08
